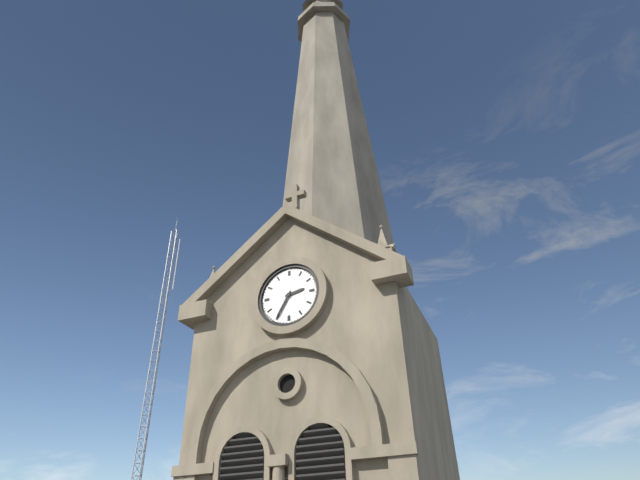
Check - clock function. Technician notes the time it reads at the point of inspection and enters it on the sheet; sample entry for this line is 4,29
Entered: 2,35
